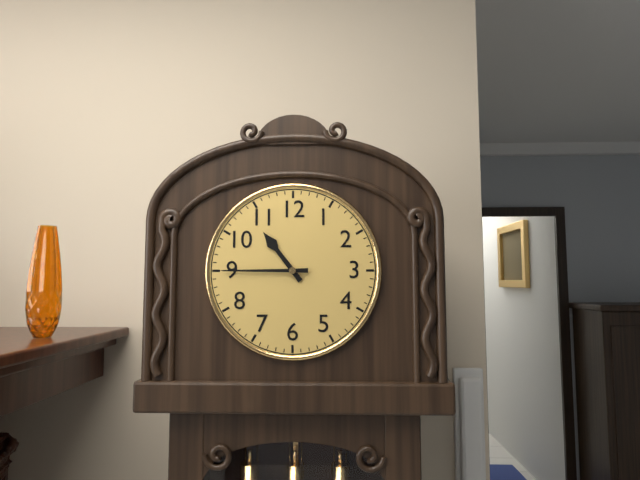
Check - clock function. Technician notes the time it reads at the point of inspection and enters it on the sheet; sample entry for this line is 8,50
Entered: 10,45
